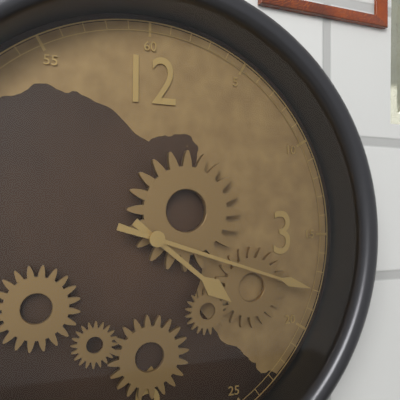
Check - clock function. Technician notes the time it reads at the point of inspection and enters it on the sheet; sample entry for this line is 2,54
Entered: 4,18
